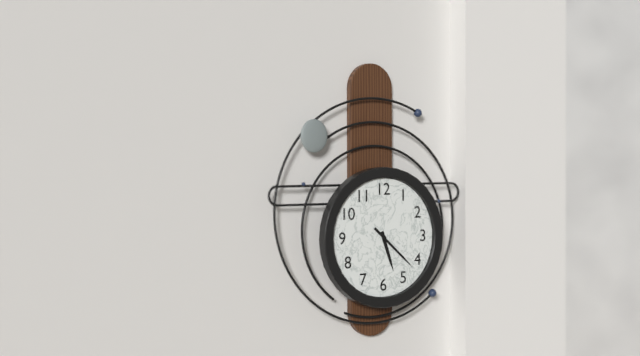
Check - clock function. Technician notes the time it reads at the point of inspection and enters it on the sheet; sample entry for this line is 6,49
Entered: 5,22
